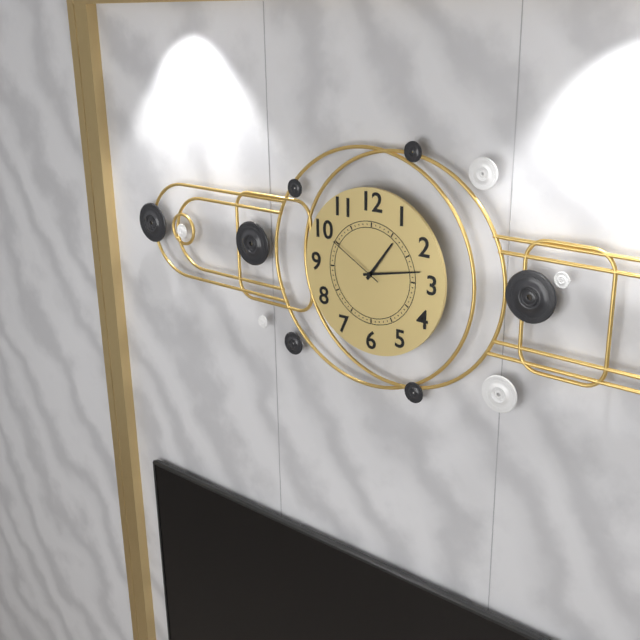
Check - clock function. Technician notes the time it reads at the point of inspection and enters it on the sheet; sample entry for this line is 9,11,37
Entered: 1,13,50
